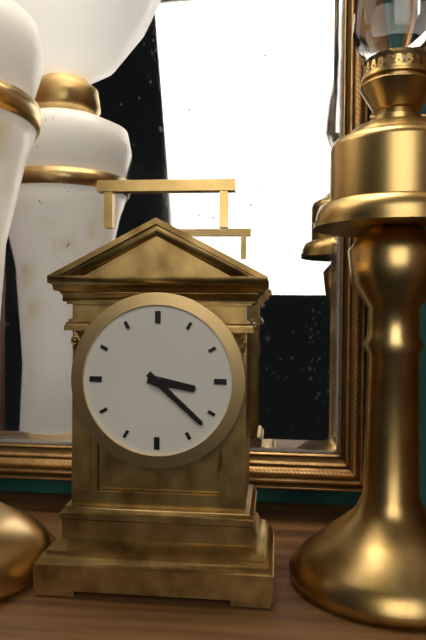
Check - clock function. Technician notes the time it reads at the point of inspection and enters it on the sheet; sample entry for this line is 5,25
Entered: 3,22
